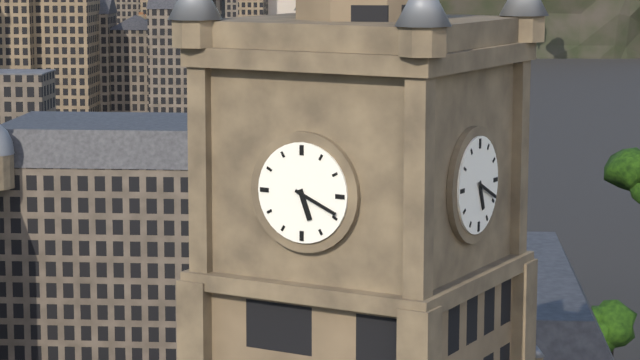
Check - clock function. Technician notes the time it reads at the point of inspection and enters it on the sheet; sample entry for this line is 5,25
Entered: 5,19
